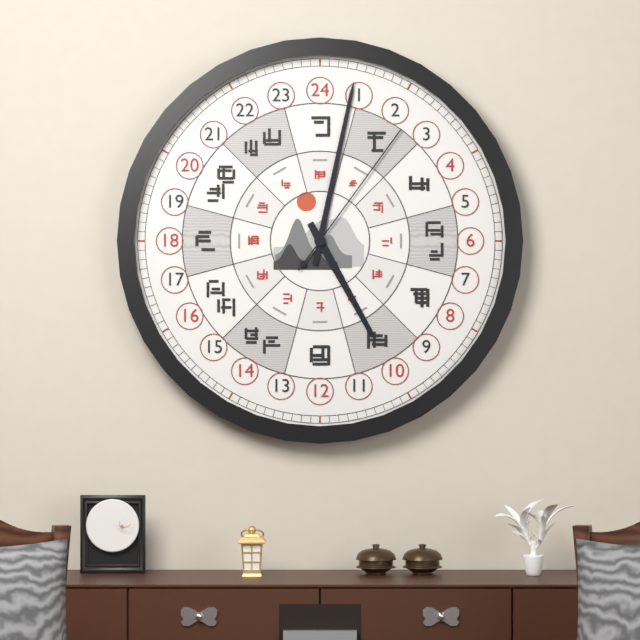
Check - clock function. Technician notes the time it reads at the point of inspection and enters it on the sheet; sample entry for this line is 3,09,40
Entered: 5,02,06
